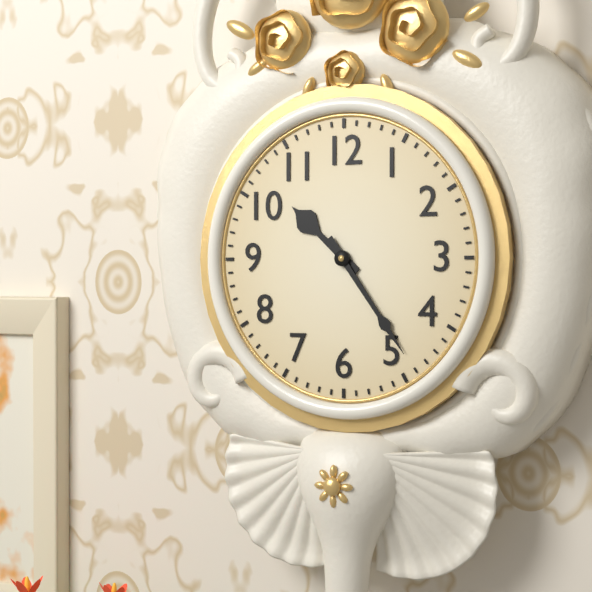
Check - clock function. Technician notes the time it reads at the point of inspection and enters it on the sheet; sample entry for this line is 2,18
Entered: 10,24
